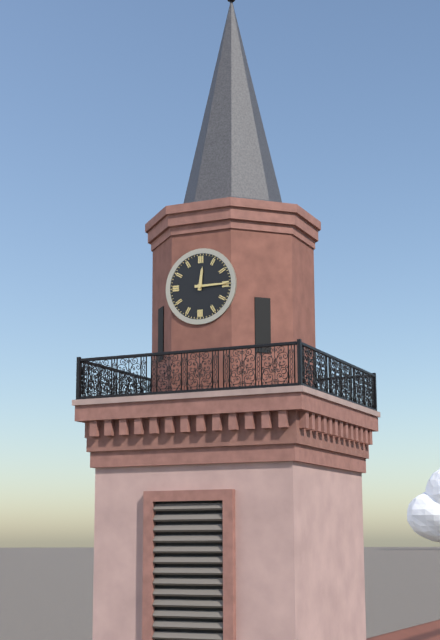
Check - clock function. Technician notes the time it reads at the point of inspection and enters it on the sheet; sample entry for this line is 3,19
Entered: 12,15
